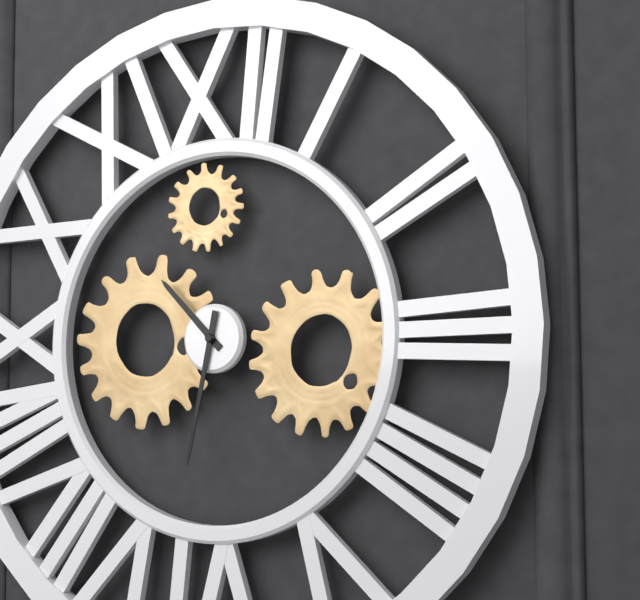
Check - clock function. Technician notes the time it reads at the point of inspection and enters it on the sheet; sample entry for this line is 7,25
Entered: 10,32
